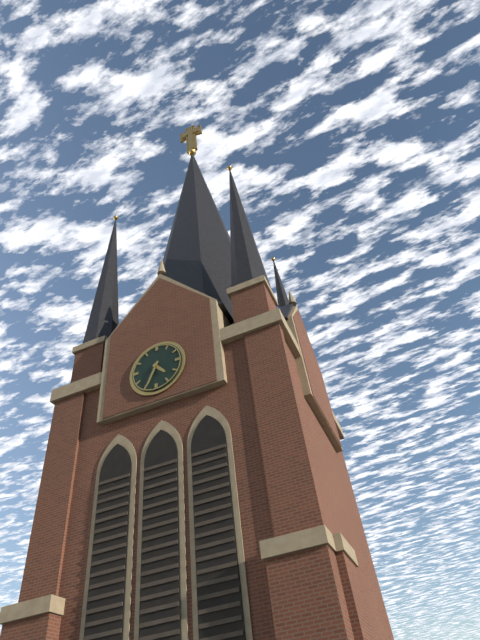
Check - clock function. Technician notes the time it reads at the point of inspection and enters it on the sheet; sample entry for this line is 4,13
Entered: 4,34
